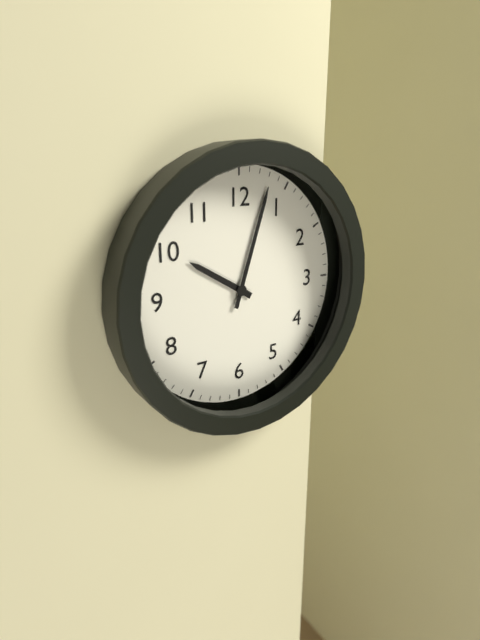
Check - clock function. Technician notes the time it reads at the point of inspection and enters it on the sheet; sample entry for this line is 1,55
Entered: 10,03
